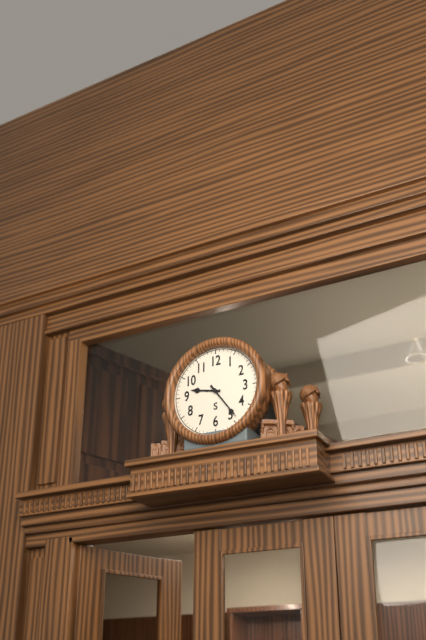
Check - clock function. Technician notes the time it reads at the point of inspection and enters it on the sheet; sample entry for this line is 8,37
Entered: 9,24
